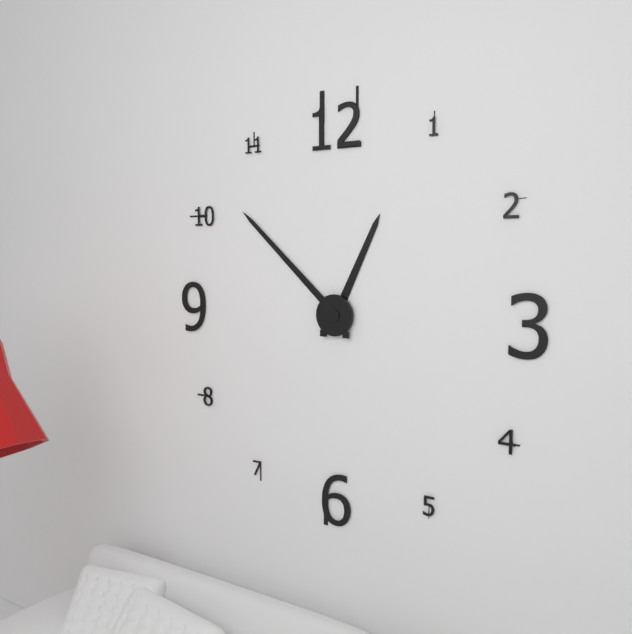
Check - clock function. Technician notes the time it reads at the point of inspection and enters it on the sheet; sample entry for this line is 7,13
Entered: 12,52
